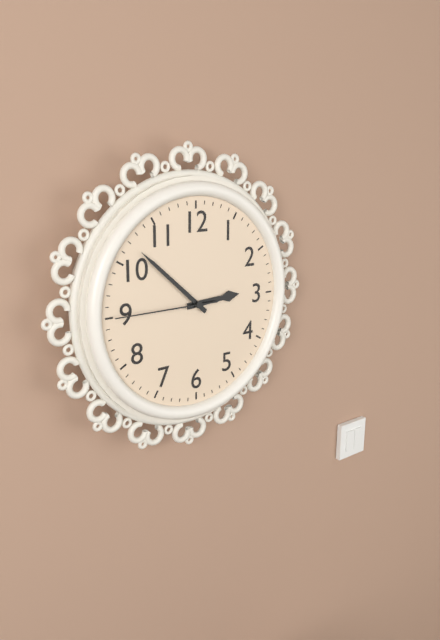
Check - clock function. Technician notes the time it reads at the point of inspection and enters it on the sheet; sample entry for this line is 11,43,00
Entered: 2,52,45
